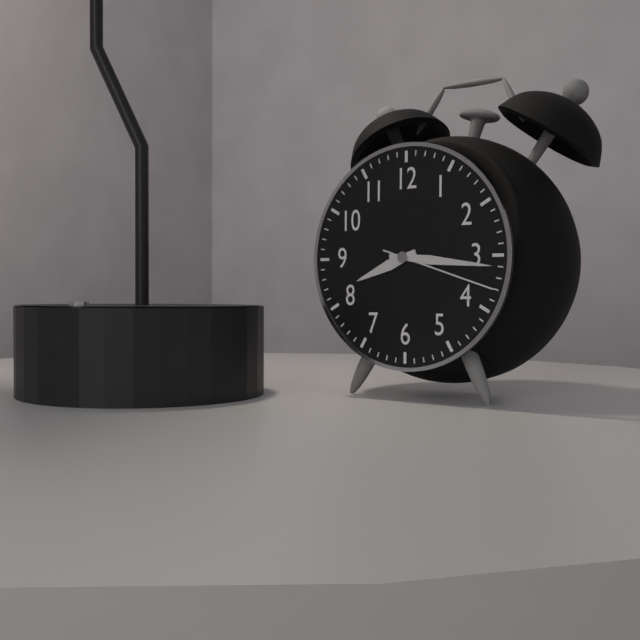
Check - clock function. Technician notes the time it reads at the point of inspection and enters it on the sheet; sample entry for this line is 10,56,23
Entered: 8,16,18
